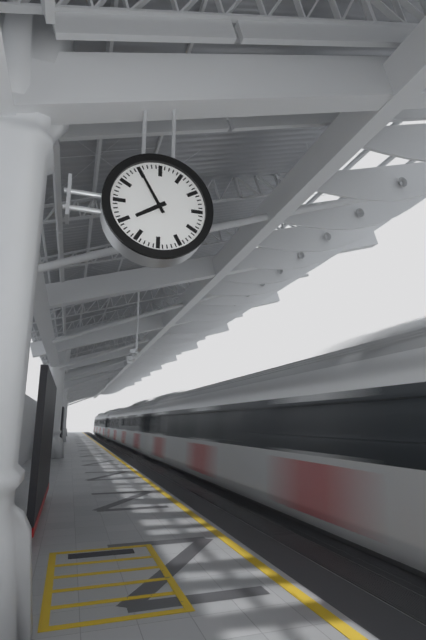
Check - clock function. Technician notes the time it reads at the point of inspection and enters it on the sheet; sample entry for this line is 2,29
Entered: 7,55
